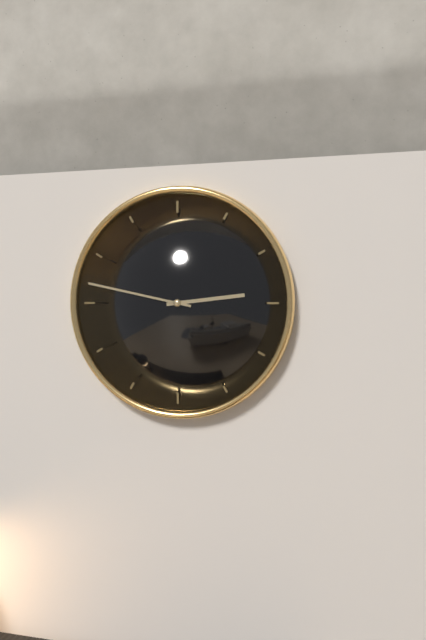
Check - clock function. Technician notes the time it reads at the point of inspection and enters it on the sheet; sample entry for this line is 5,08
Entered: 2,47
